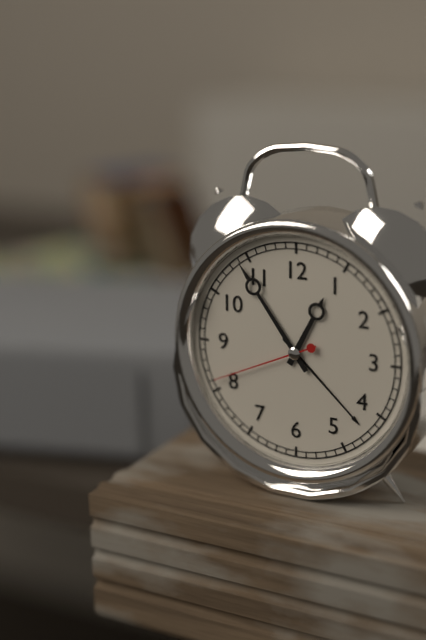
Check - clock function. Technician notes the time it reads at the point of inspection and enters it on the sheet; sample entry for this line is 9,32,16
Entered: 12,54,41
